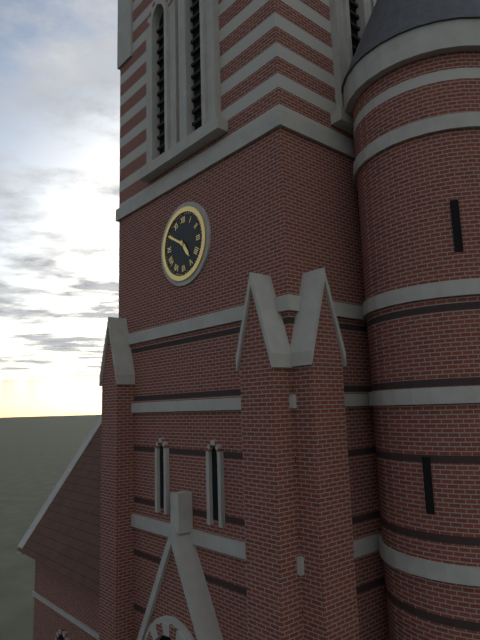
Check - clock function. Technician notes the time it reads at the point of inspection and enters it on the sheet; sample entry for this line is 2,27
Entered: 4,50
